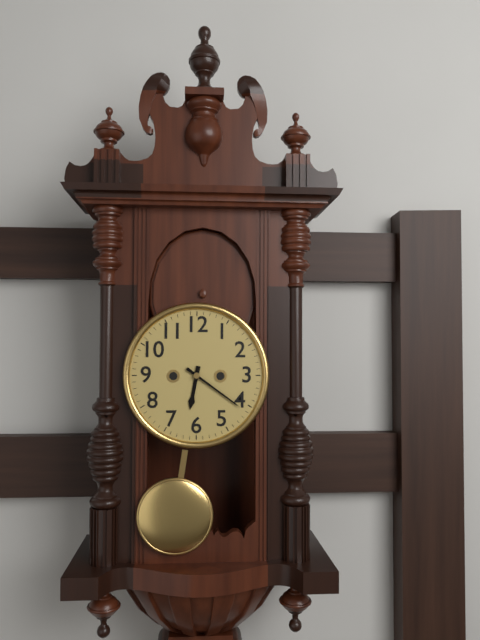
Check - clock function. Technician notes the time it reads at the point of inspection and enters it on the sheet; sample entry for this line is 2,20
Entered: 6,21
